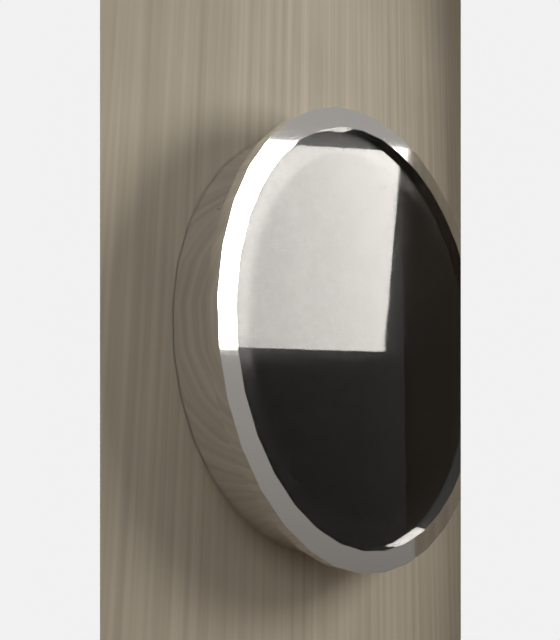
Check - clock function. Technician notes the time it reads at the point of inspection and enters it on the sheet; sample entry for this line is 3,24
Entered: 11,57
